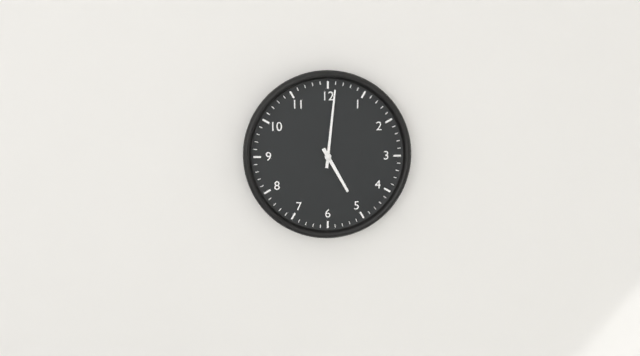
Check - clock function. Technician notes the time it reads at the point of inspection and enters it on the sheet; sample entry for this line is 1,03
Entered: 5,01
